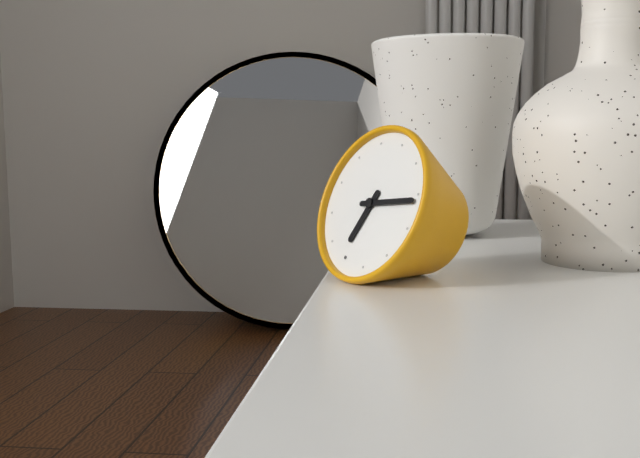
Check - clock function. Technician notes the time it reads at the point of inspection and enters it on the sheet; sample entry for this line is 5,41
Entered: 6,11
